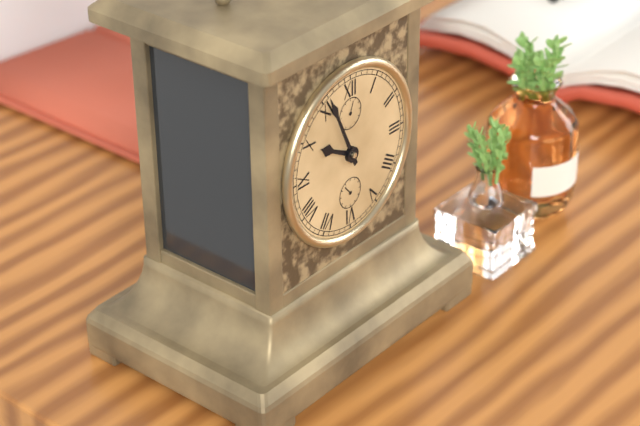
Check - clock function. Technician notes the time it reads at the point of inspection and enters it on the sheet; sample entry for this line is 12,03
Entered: 9,56
